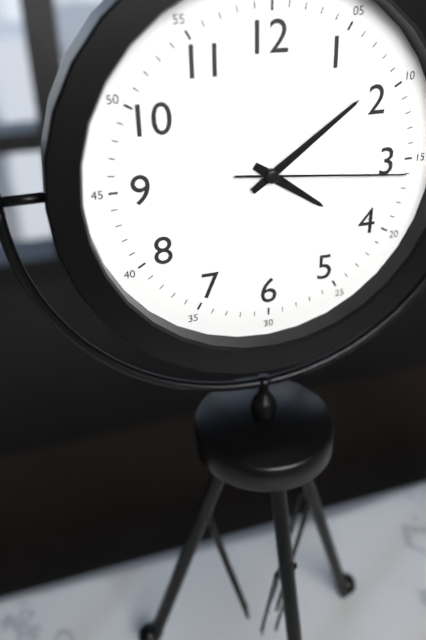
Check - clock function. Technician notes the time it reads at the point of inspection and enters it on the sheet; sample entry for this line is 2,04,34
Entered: 4,09,16
